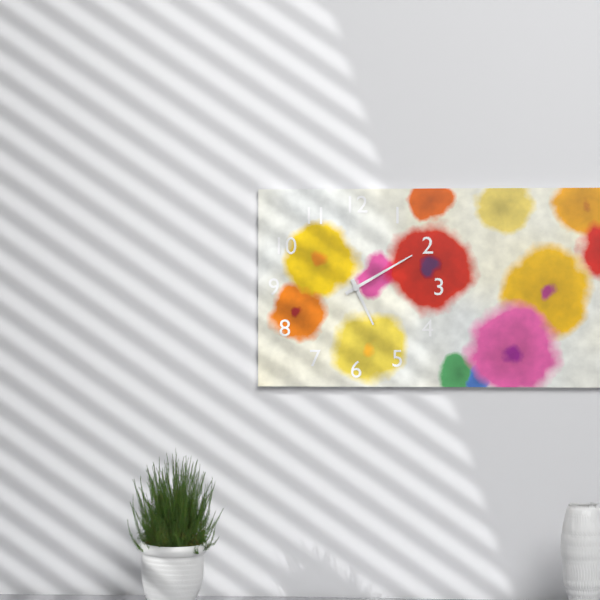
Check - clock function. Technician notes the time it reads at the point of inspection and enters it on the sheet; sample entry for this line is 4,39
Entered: 5,10
